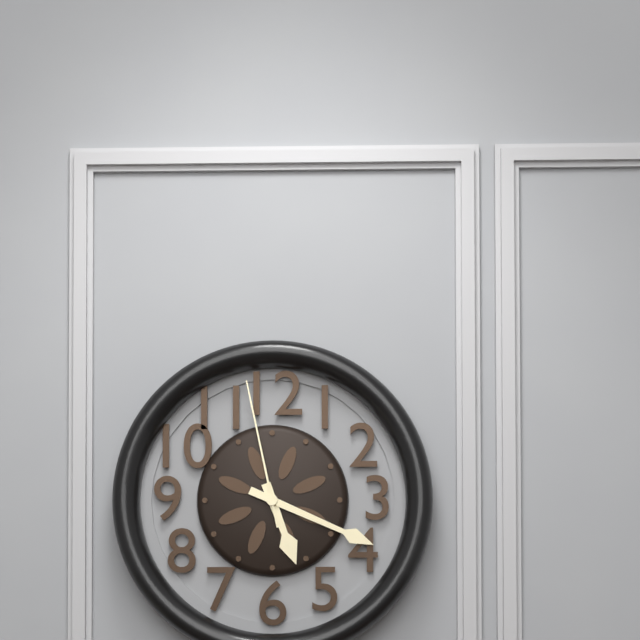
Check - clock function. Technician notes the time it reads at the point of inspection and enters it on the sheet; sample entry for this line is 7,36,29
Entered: 5,19,58
